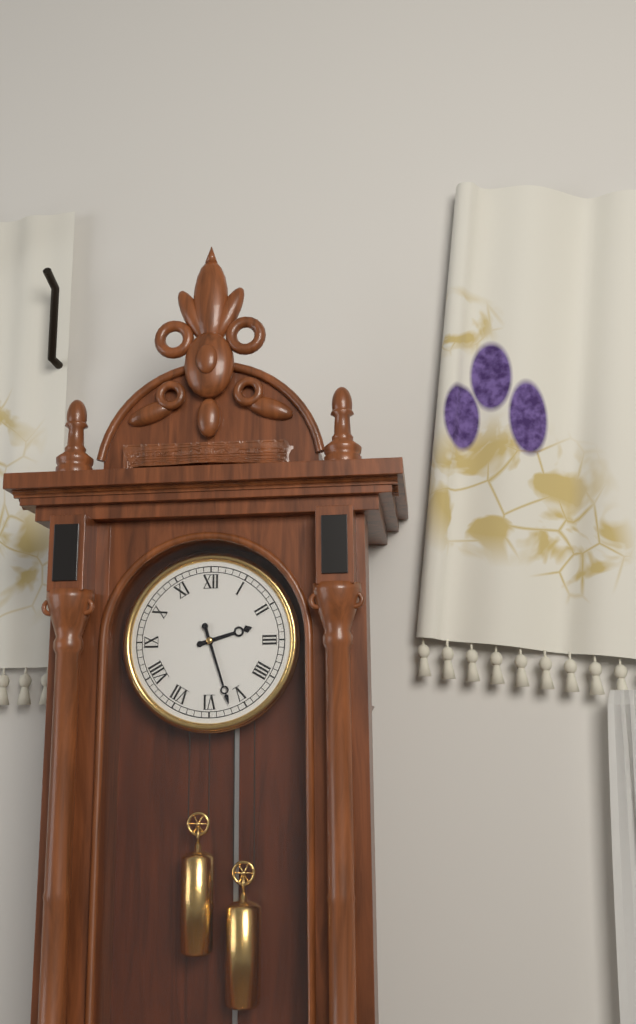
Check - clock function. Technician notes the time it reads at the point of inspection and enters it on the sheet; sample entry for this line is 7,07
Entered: 2,27
